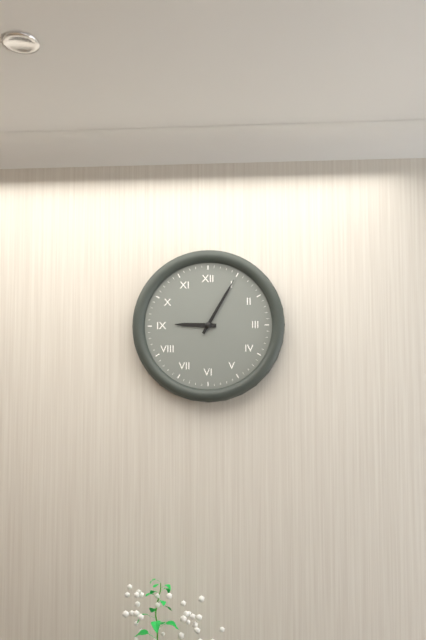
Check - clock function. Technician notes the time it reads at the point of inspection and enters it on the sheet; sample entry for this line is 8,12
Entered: 9,05
